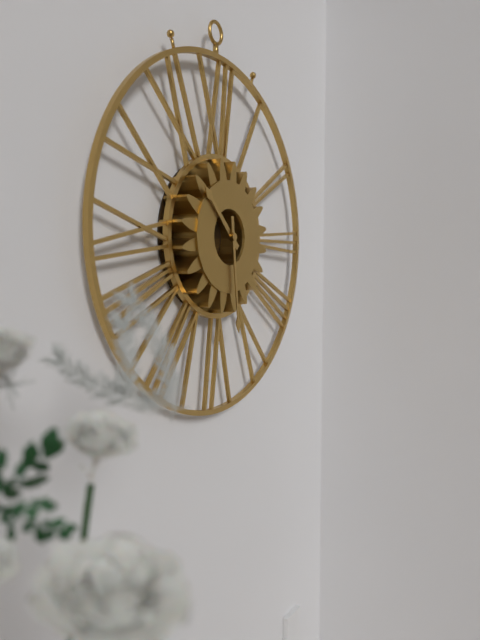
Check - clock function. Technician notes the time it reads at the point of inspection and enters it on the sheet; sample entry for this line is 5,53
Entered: 10,29
